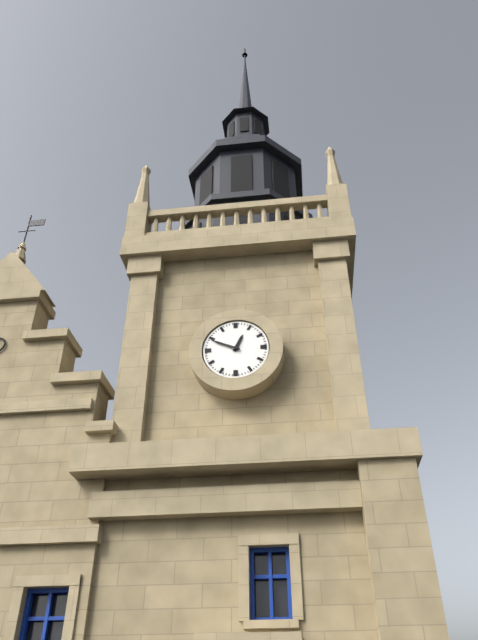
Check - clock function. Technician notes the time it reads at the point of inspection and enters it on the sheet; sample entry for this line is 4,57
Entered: 12,49
